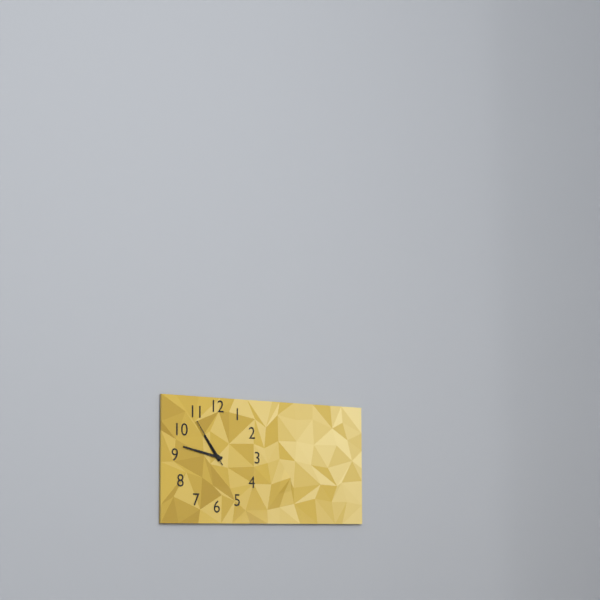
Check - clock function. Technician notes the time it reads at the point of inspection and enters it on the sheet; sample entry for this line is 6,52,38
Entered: 10,47,54
